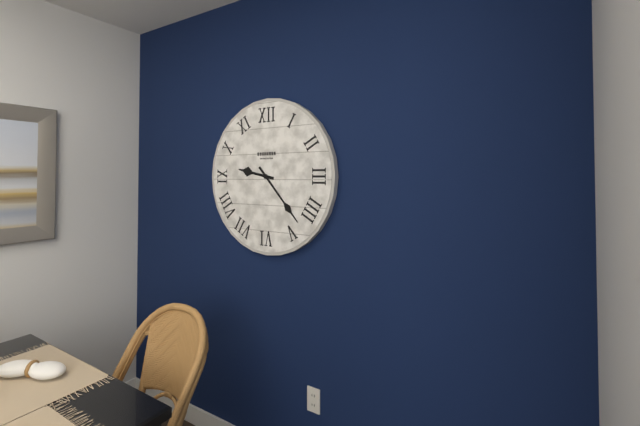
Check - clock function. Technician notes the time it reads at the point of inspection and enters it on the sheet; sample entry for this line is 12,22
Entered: 9,23
